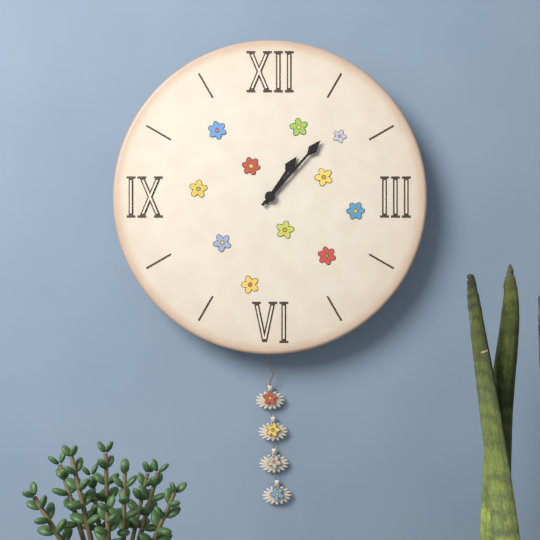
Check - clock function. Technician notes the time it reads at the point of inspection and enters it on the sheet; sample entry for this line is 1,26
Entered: 1,07
